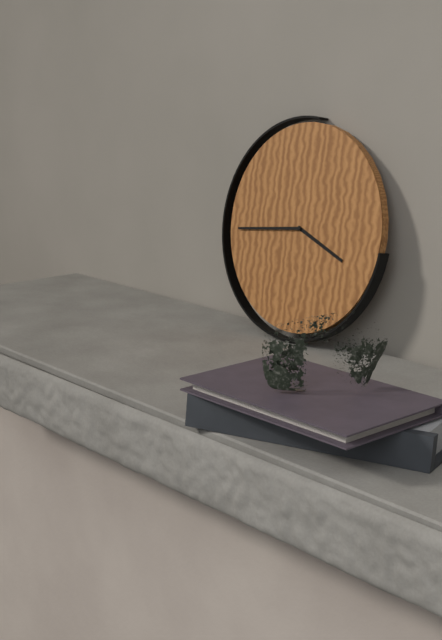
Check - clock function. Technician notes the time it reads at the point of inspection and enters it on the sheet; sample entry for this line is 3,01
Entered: 3,44
